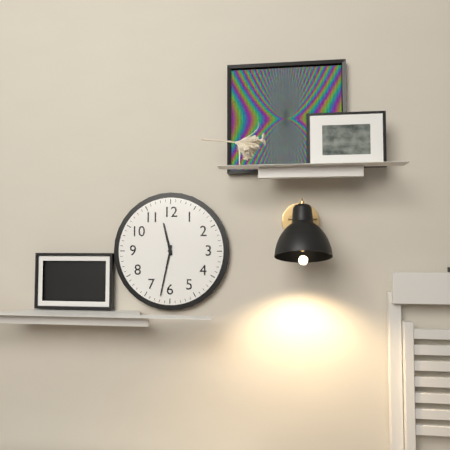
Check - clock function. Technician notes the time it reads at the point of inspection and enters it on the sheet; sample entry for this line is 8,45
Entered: 11,32
